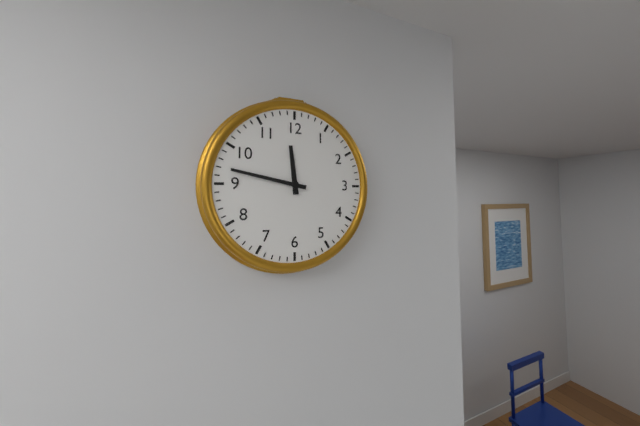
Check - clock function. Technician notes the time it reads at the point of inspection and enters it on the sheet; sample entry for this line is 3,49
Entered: 11,47
